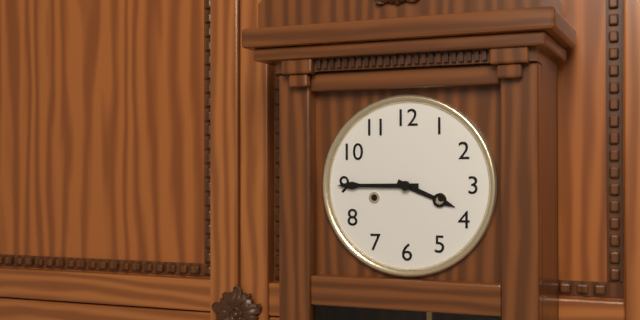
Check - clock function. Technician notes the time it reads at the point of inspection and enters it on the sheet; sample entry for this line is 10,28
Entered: 3,45
